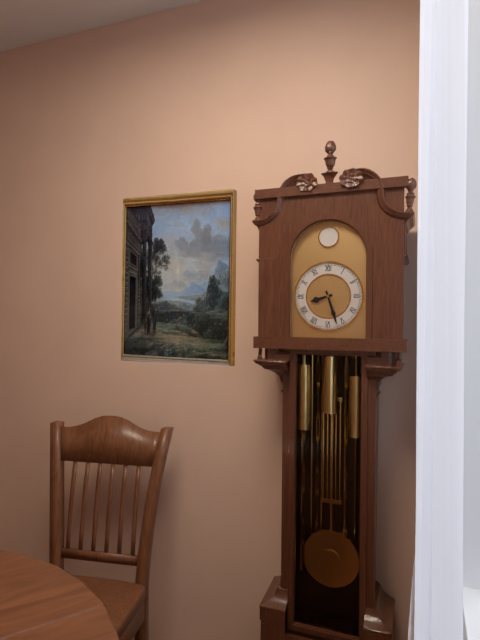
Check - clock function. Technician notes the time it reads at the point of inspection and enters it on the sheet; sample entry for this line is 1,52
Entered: 8,27
